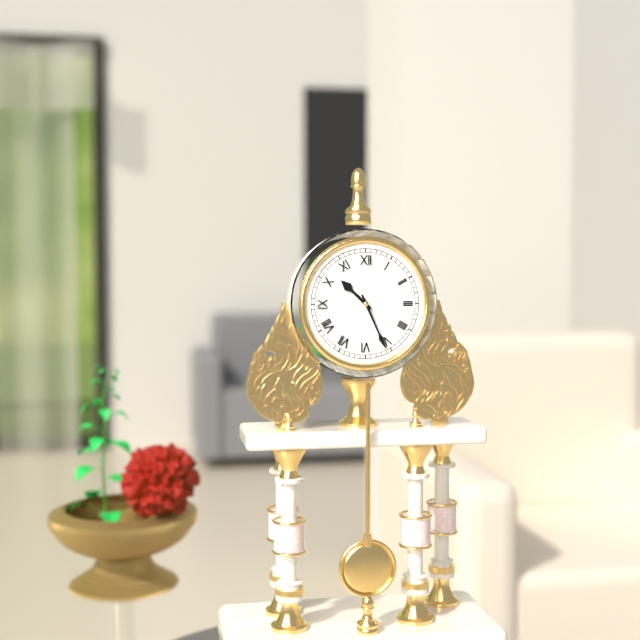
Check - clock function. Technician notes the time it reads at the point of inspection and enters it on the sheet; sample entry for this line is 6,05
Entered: 10,26
